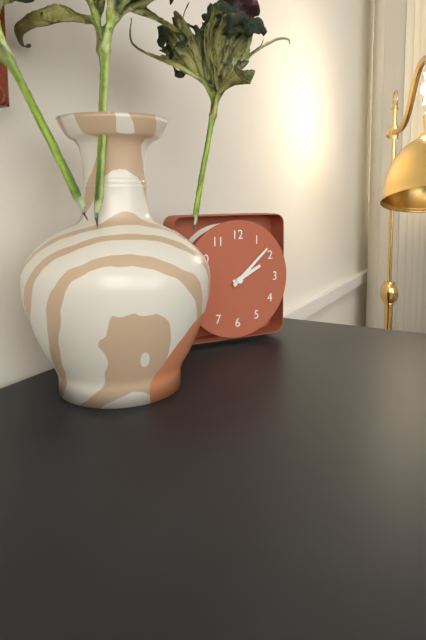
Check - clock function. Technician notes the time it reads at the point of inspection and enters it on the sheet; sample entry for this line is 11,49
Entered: 2,08
